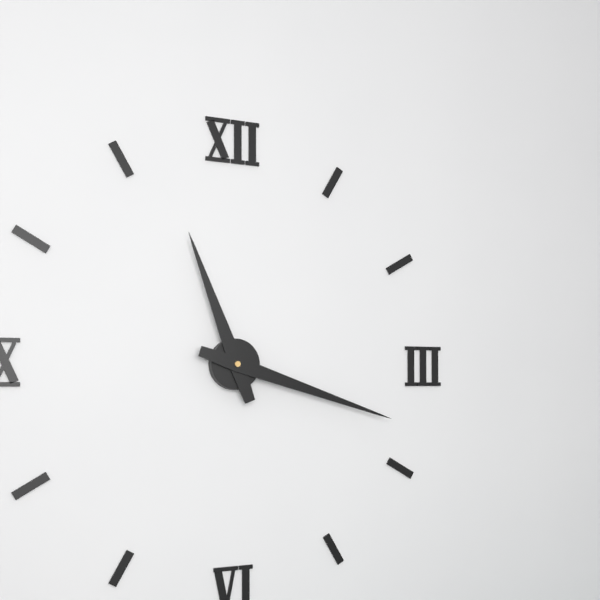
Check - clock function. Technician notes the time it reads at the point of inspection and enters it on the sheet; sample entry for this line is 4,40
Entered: 11,18
